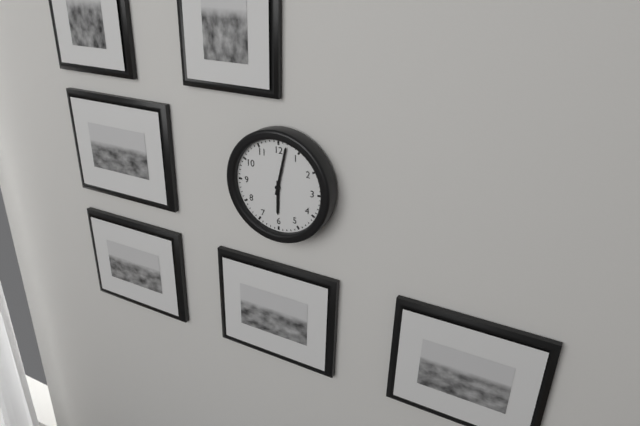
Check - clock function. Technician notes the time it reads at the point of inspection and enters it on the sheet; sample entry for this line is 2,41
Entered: 6,02
